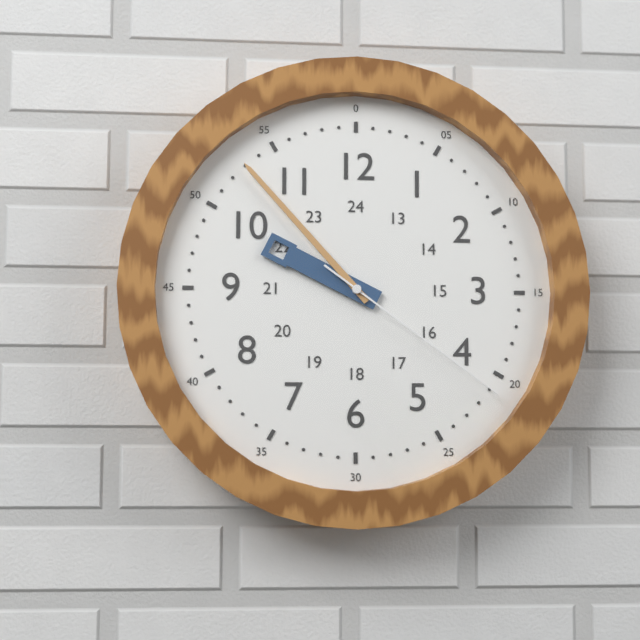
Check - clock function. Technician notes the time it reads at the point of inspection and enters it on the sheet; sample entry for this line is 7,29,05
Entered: 9,53,21
